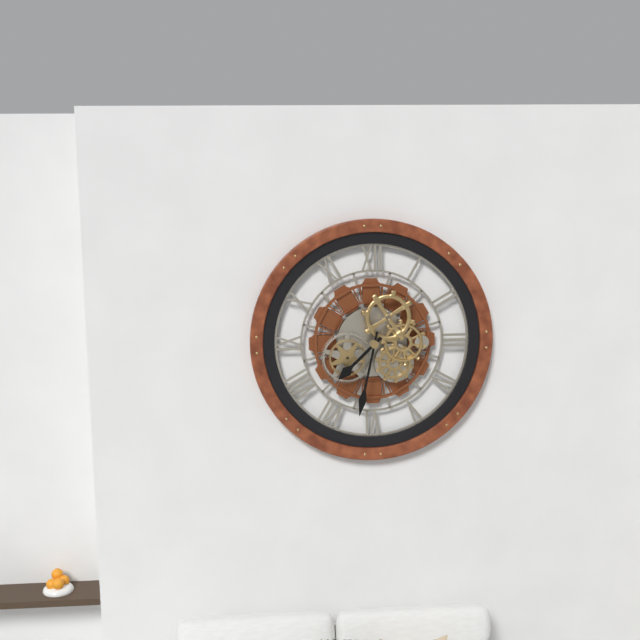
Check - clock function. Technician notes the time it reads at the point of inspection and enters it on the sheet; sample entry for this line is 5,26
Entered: 7,32
